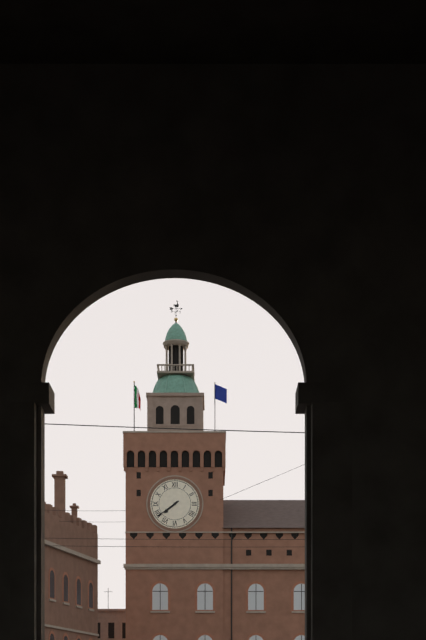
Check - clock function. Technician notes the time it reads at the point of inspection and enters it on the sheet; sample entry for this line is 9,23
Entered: 7,39
